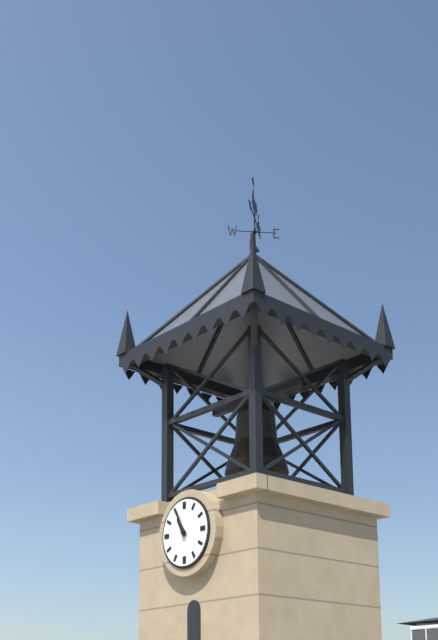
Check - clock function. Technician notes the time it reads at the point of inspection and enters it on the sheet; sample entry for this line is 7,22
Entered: 10,56
